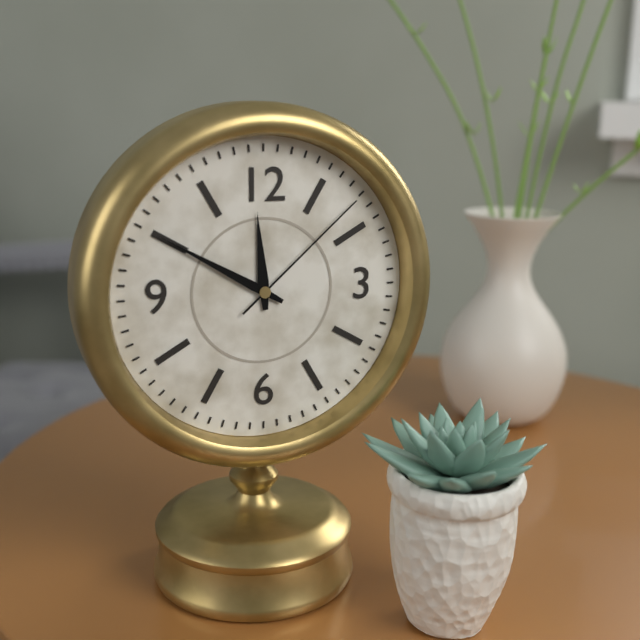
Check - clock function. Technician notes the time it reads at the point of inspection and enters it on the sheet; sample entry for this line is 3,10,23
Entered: 11,50,08
